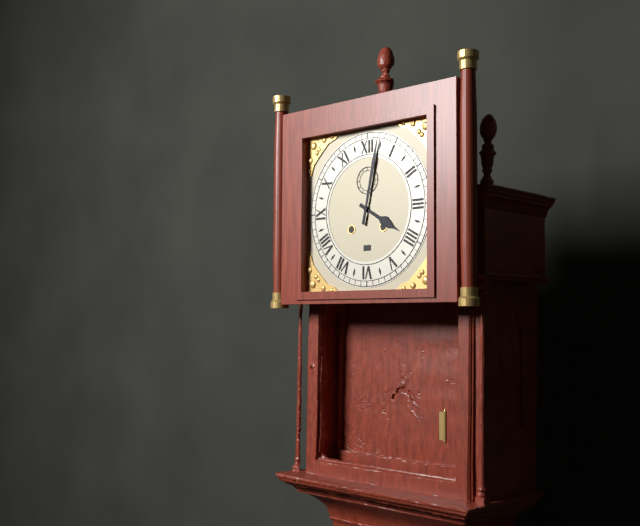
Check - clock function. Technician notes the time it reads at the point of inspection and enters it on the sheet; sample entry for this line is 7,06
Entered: 4,02
